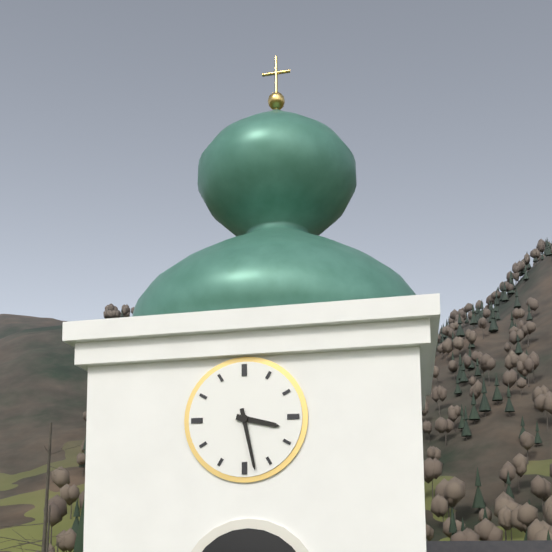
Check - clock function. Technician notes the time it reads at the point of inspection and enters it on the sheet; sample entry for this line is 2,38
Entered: 3,28
